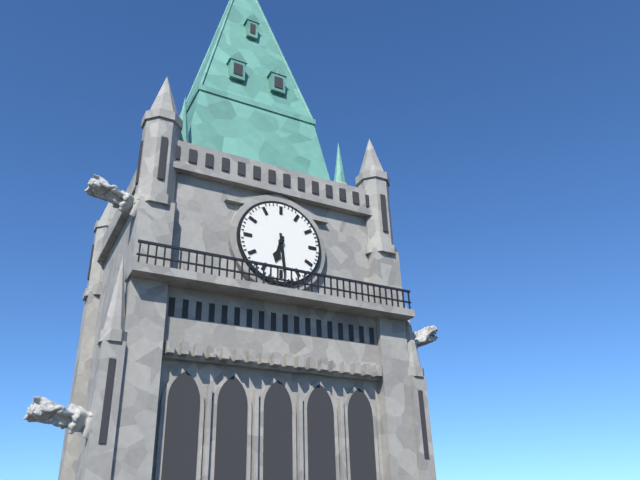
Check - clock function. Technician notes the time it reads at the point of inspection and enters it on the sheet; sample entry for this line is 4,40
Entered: 6,29
